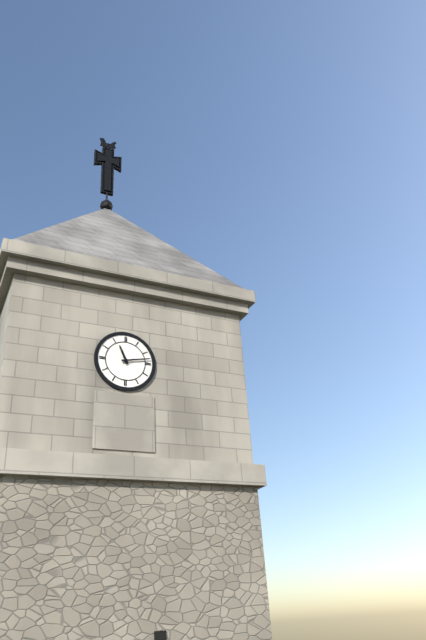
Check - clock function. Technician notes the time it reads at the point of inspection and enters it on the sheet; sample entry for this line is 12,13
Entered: 11,13
